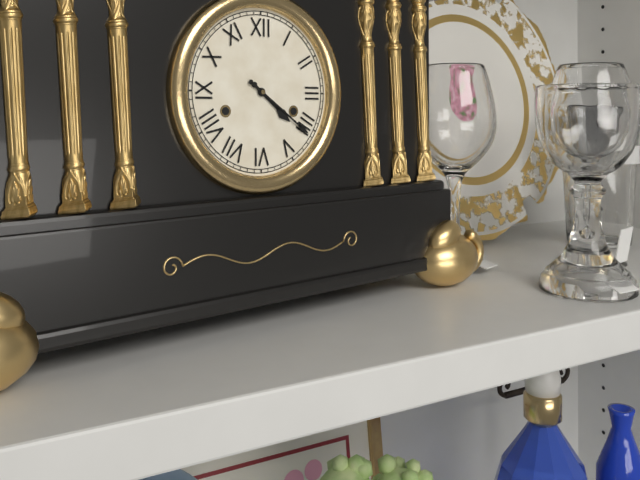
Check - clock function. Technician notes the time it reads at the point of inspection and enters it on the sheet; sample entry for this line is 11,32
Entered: 4,21
